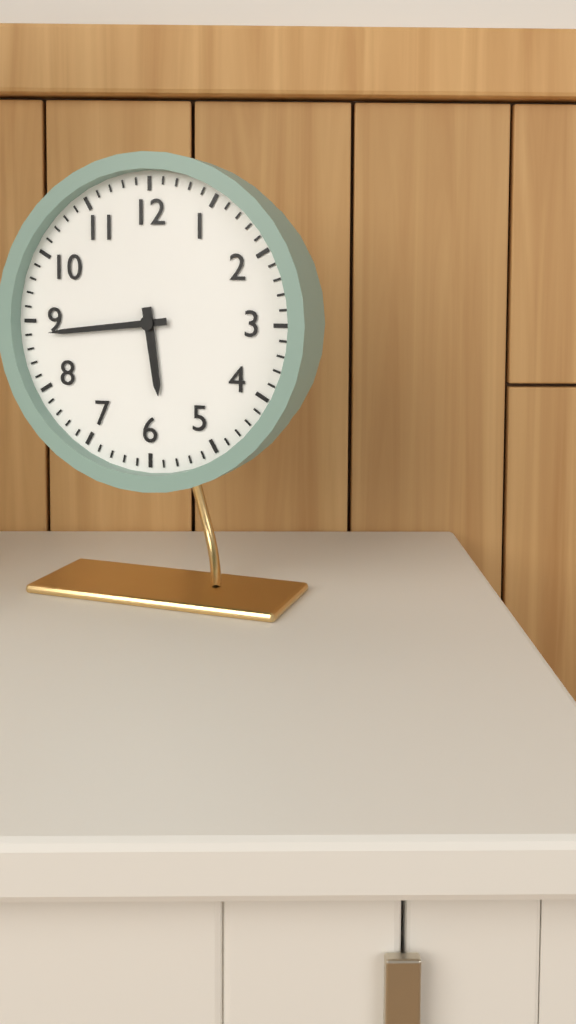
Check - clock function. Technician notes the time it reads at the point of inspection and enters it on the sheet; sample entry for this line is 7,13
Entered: 5,44
